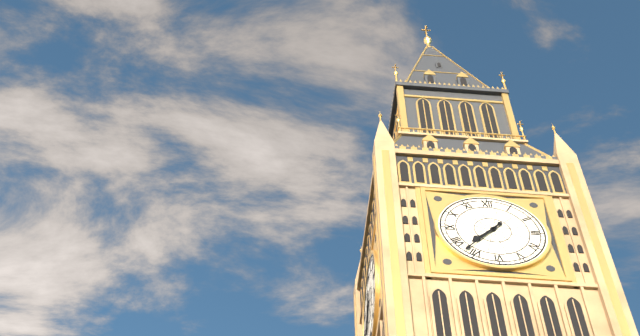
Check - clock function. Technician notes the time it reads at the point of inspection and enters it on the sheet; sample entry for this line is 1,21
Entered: 7,37
